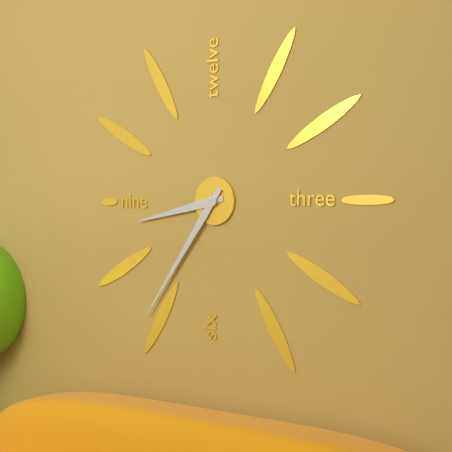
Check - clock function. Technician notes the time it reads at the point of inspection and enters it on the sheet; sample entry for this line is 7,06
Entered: 8,36
